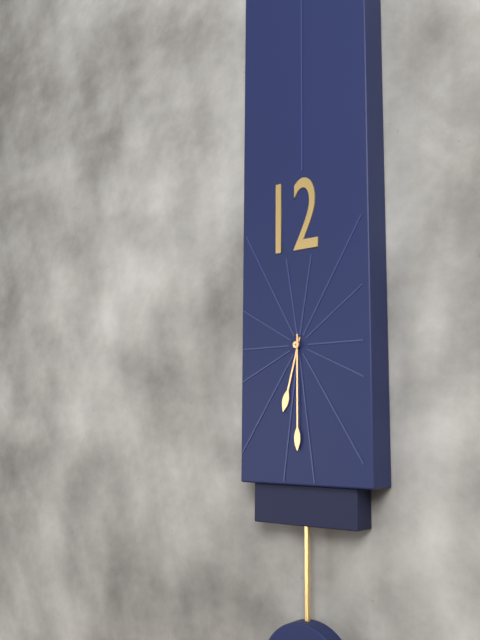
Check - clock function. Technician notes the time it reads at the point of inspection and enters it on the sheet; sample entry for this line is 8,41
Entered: 6,30
